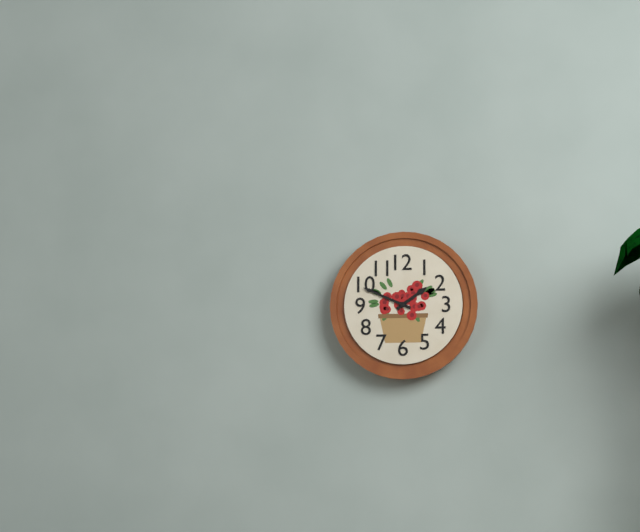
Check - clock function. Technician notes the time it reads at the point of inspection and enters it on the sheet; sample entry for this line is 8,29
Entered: 1,49
